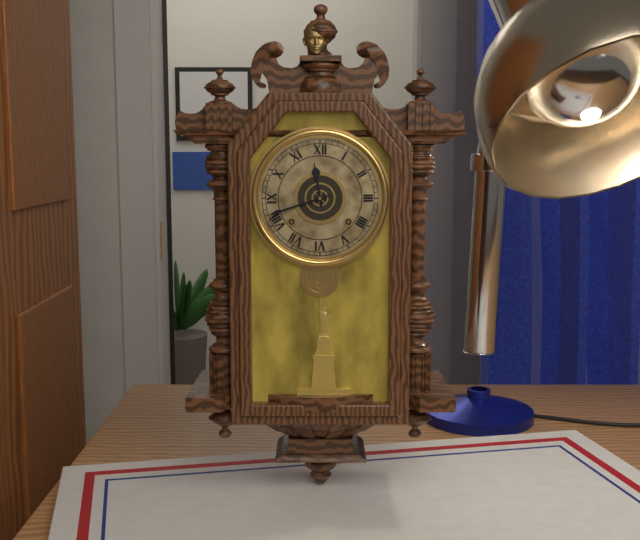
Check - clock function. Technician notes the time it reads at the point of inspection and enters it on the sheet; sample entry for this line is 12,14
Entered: 11,42
